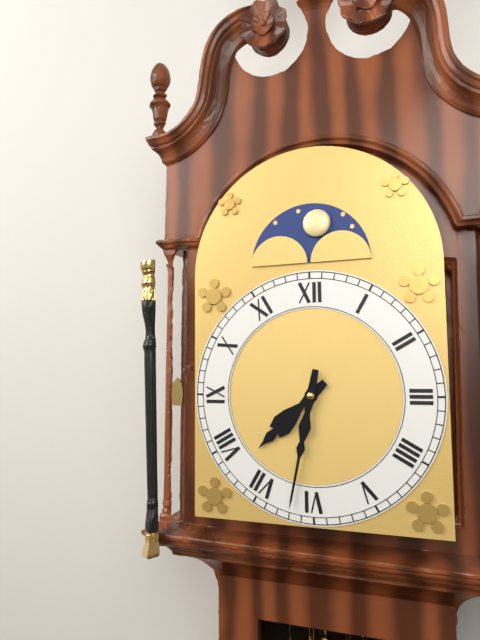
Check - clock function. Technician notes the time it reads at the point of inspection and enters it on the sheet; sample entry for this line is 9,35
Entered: 7,32
